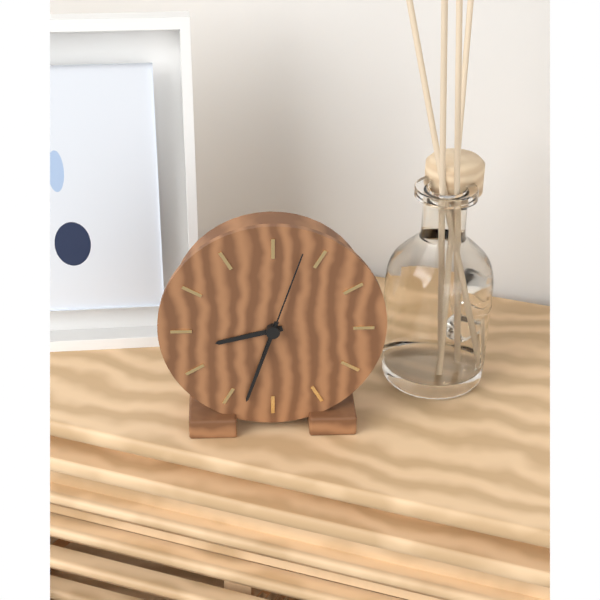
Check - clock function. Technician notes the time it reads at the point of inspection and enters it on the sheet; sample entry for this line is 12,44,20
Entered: 8,33,03
